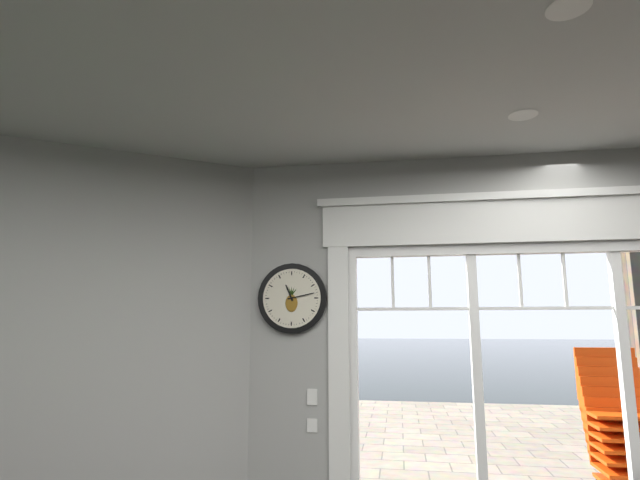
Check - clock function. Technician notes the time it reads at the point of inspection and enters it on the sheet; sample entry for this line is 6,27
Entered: 11,13
